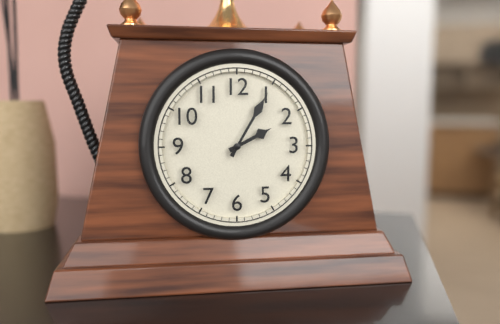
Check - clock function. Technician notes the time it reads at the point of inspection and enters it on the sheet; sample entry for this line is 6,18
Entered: 2,05
